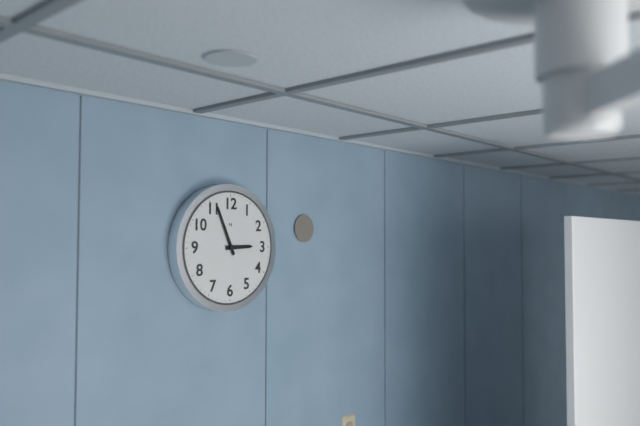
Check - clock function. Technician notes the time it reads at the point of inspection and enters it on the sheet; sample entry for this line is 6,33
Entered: 2,56
